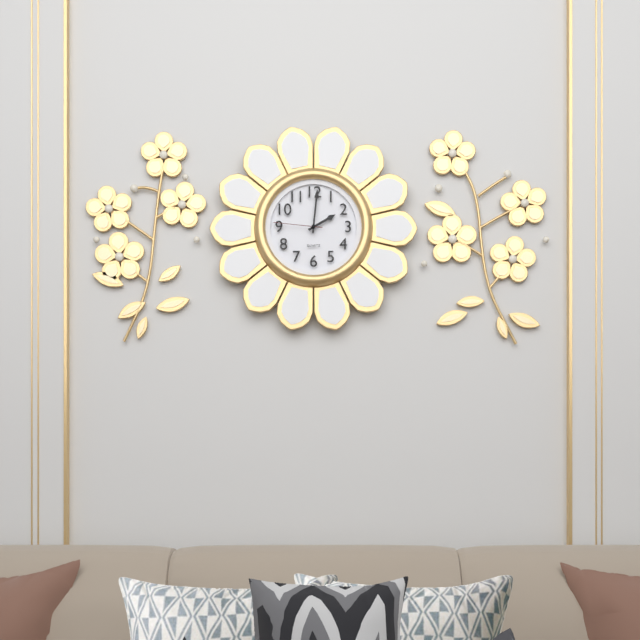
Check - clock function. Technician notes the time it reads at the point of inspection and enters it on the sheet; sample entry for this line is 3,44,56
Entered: 2,01,46
